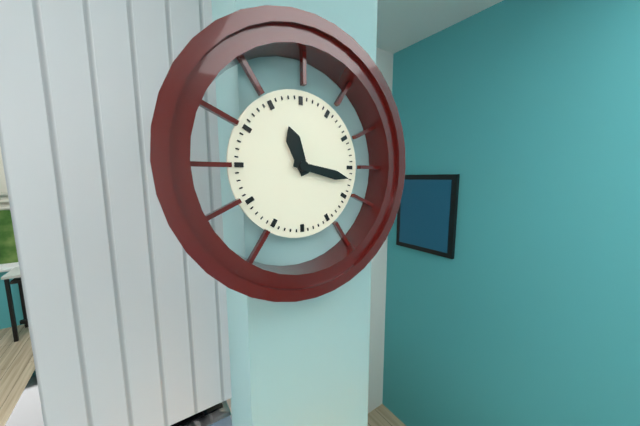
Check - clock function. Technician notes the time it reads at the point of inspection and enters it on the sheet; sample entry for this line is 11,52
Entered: 11,17
